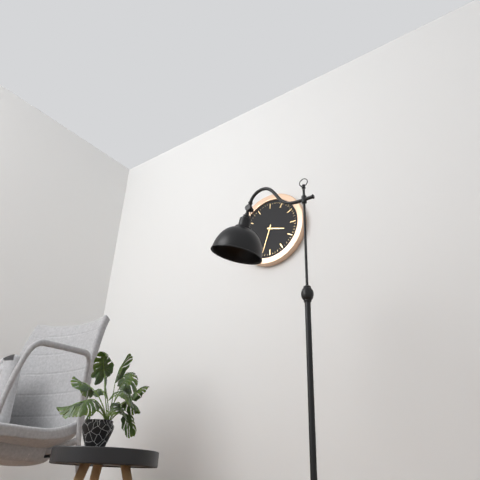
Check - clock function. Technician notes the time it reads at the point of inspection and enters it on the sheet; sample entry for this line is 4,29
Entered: 3,33
